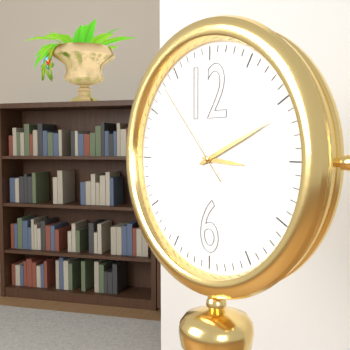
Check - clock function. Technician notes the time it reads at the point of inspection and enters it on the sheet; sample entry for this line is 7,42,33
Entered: 3,11,53
